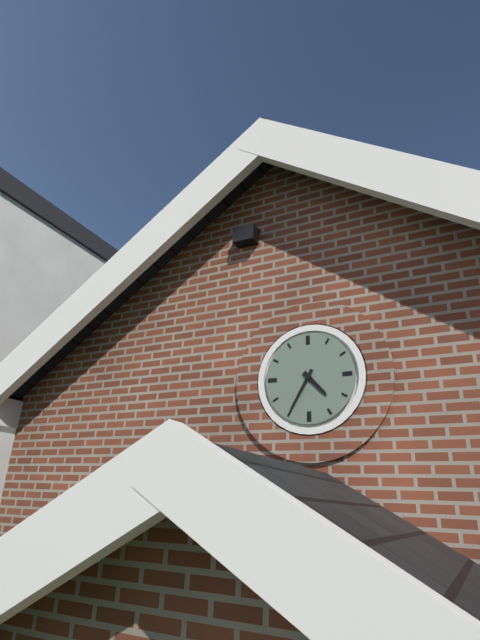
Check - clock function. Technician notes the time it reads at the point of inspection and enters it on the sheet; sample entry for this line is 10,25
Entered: 4,35
